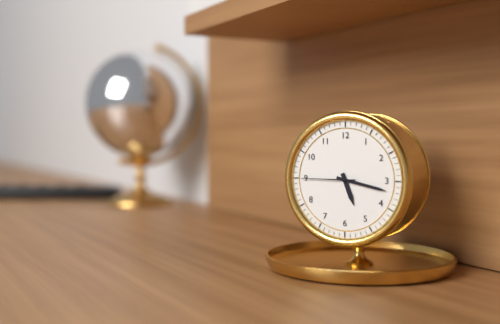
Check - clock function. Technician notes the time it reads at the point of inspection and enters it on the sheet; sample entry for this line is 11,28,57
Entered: 5,17,45
